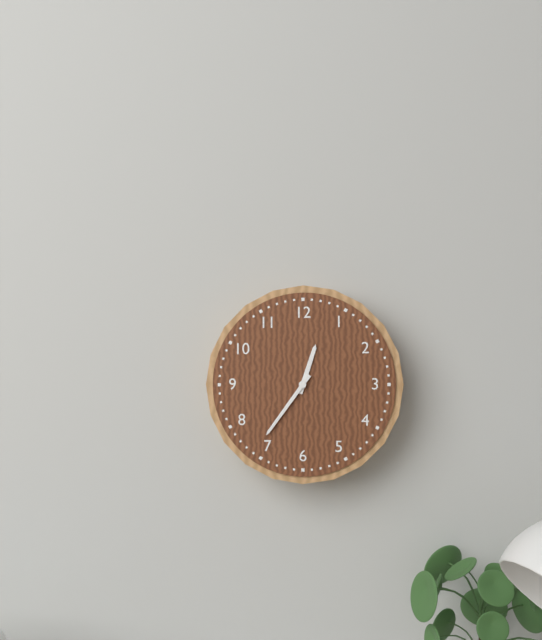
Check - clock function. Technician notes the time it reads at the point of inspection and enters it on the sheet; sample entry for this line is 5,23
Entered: 12,36
